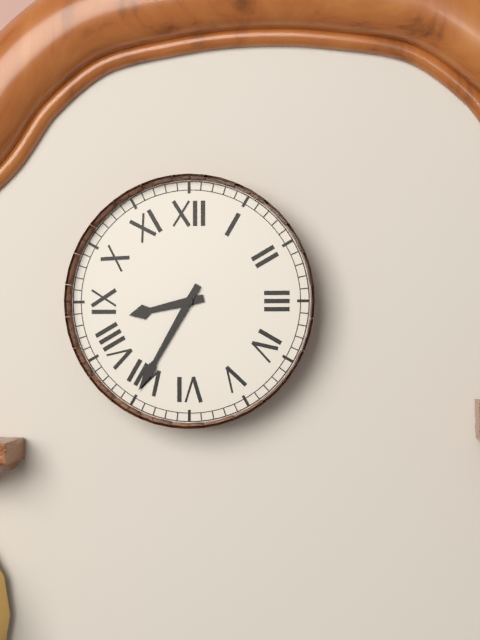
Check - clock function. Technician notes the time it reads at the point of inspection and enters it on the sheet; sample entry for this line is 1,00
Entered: 8,35
